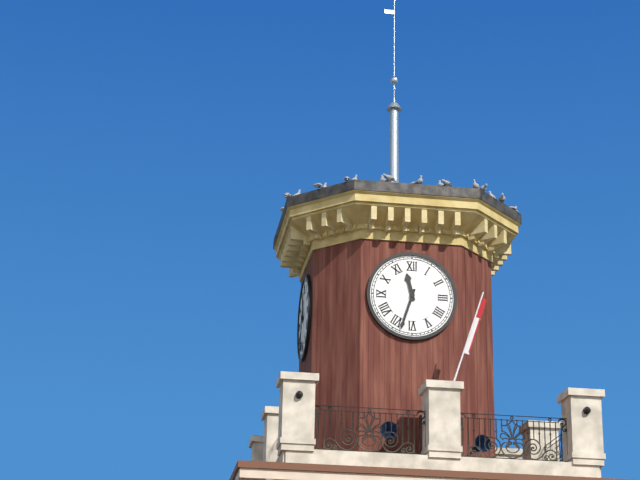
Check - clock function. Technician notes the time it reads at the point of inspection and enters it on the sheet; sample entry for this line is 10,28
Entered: 11,33
